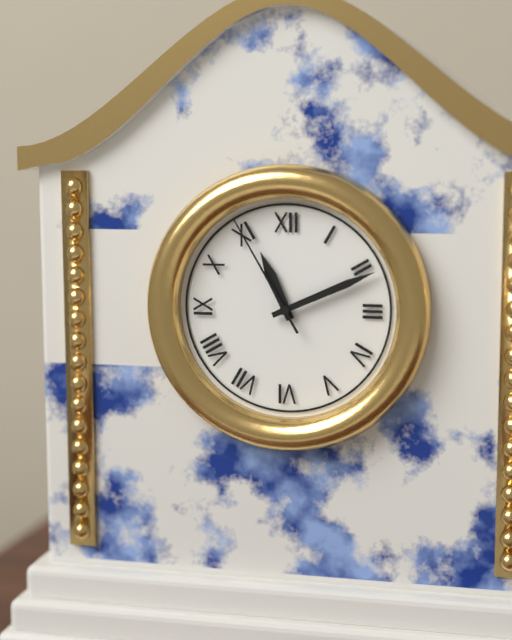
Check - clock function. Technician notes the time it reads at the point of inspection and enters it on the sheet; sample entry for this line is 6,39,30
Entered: 11,11,55
